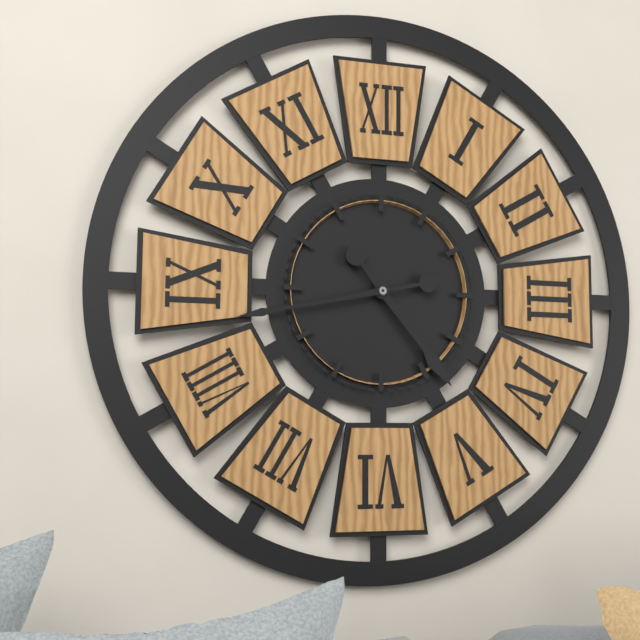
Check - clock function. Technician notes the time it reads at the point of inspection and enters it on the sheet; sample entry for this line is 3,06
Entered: 4,43
